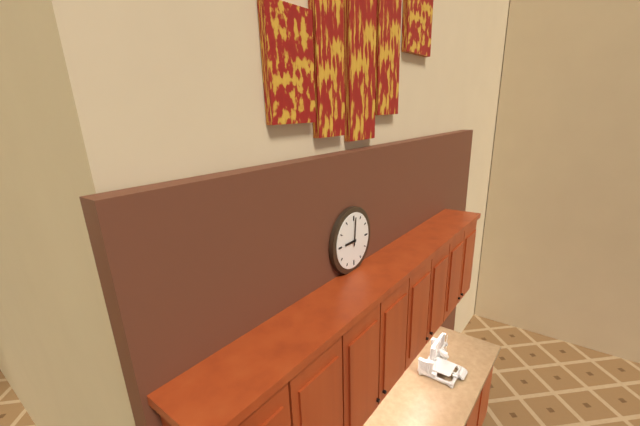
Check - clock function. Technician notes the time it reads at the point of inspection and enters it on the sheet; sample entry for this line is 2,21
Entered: 9,01
